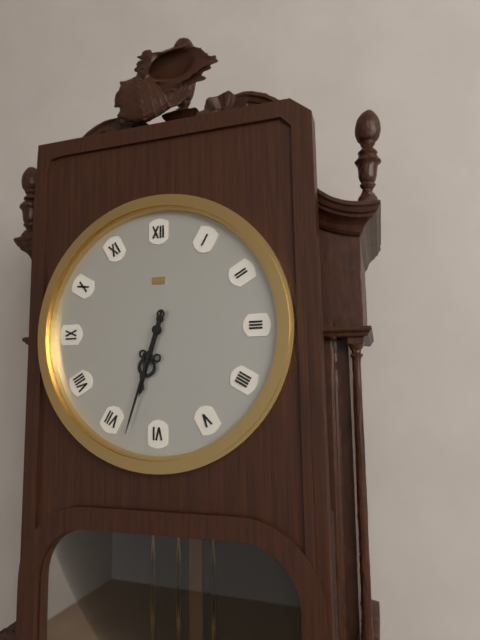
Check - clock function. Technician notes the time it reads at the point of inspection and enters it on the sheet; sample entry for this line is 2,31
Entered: 6,33
